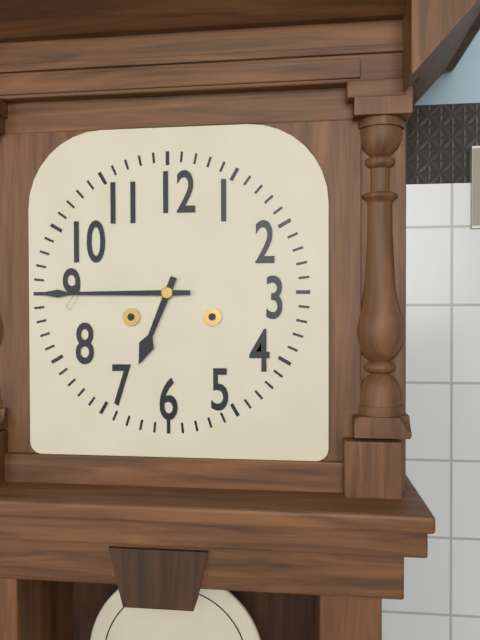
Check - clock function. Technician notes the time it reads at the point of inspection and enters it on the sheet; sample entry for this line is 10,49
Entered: 6,45
